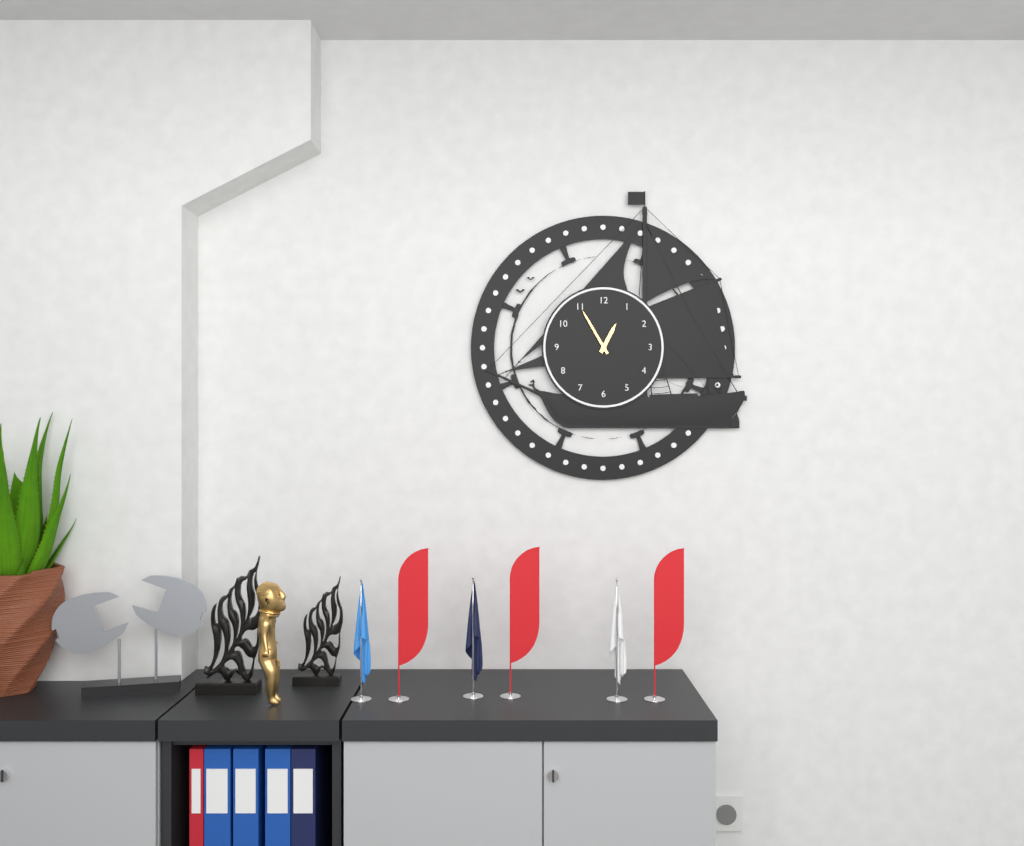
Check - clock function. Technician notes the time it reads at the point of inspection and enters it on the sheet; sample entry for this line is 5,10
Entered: 12,55
